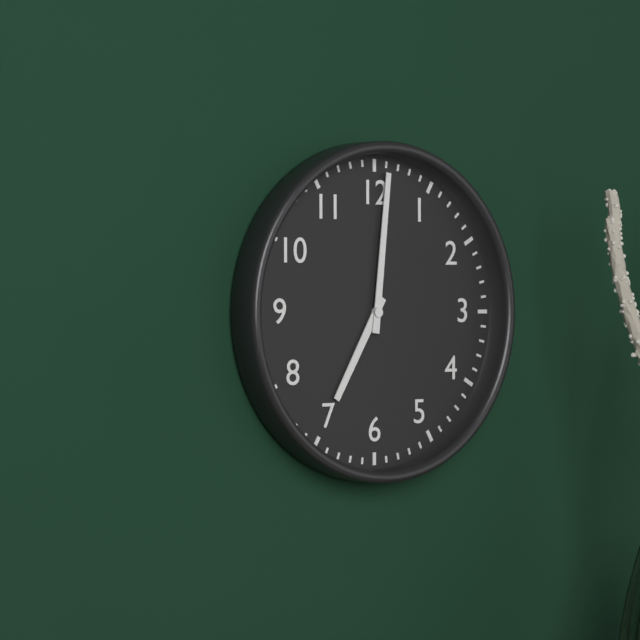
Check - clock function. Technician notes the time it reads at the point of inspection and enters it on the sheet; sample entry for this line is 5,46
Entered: 7,01
